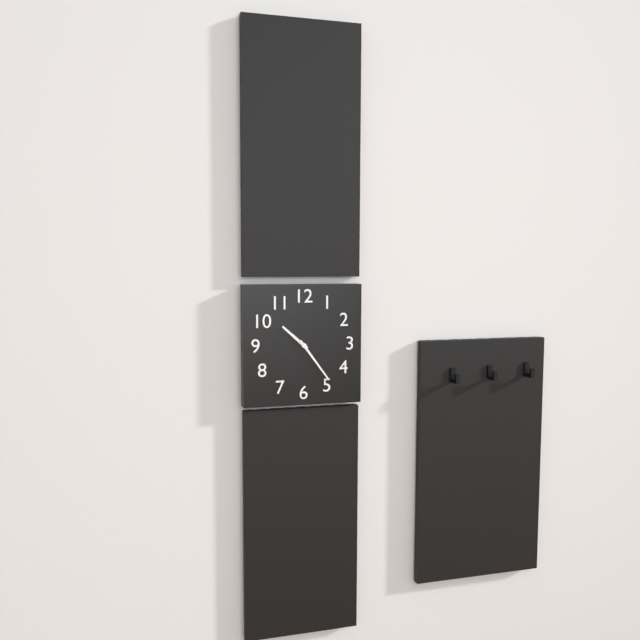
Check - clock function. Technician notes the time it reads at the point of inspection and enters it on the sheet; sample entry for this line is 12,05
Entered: 10,24
